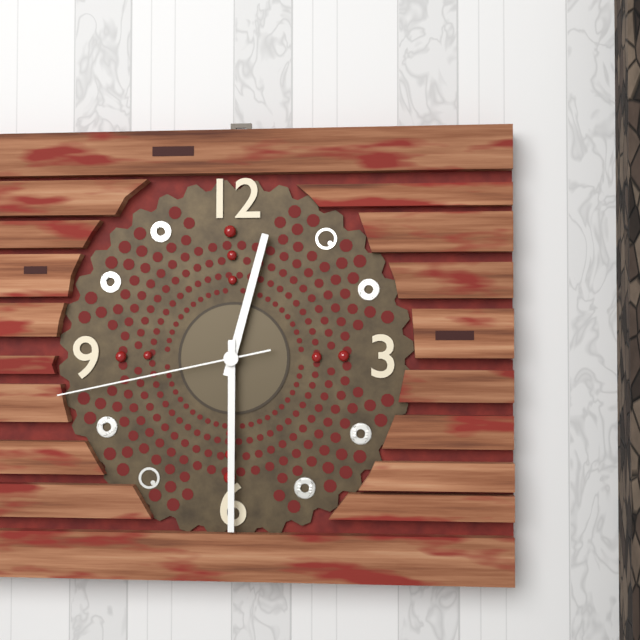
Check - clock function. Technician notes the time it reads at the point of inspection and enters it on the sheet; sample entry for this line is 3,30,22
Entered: 12,30,43
